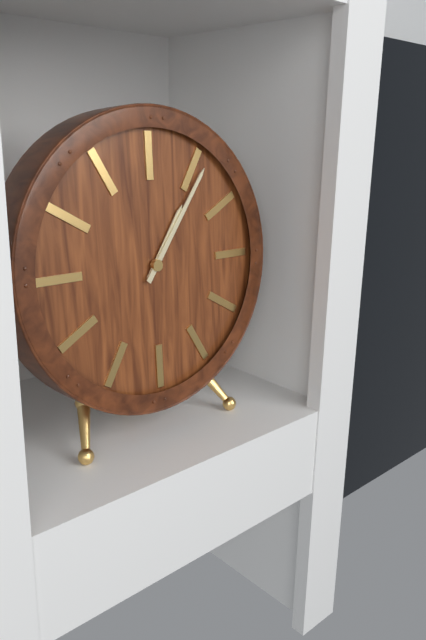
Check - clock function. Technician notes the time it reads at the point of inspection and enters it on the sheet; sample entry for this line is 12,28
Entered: 1,06
